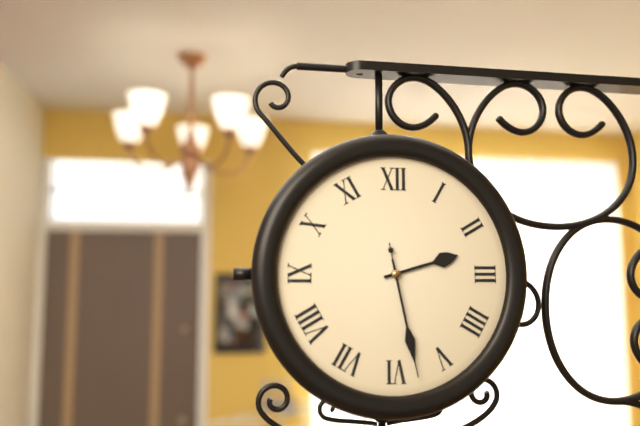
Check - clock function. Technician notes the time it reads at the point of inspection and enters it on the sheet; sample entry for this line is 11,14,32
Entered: 2,28,28
